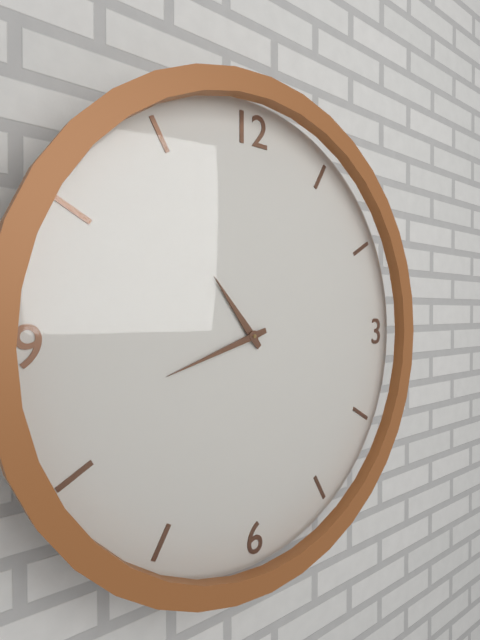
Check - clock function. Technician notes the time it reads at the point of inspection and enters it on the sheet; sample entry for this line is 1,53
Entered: 10,42
